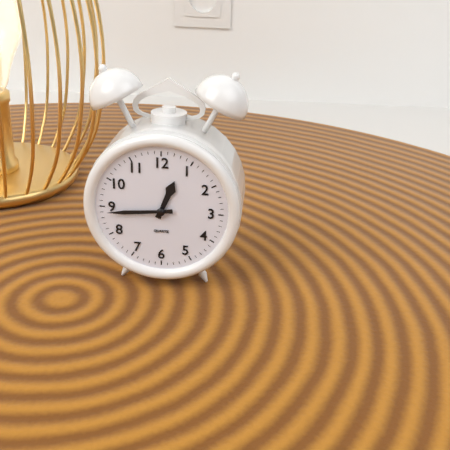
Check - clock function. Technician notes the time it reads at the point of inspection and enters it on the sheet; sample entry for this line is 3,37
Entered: 12,44
